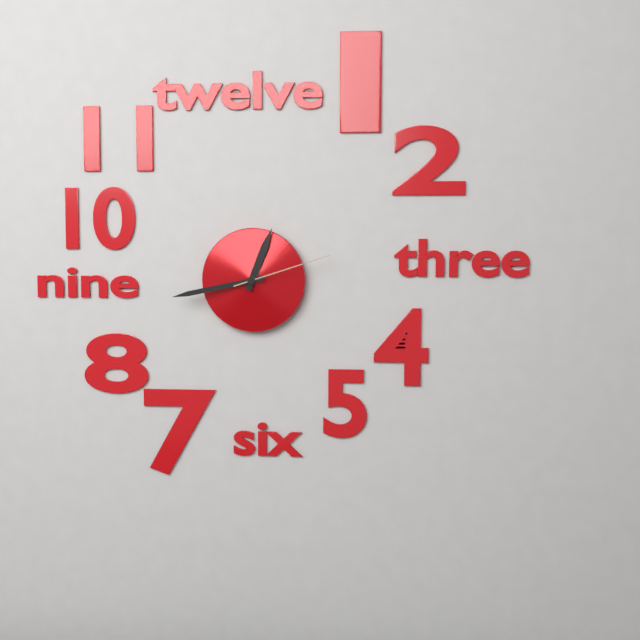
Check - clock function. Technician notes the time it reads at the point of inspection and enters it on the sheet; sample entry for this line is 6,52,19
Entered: 12,43,12
